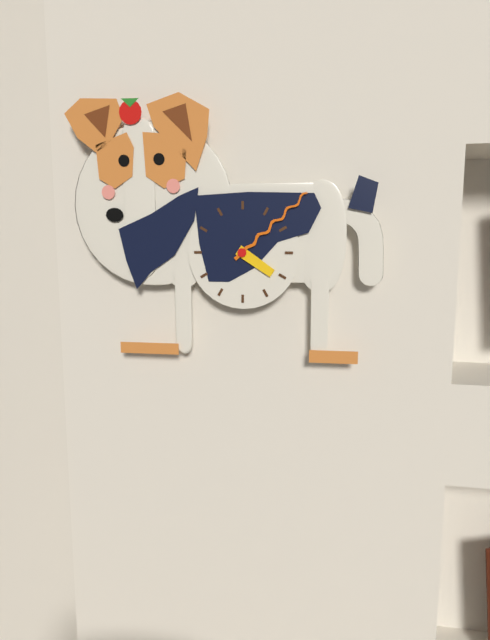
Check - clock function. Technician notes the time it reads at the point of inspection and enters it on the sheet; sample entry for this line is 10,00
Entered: 4,08
